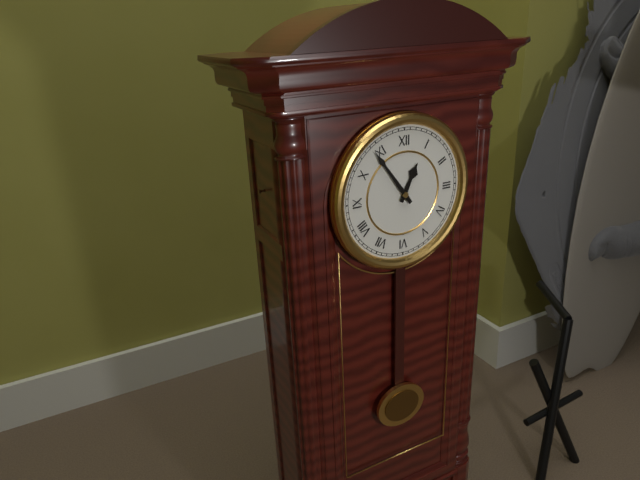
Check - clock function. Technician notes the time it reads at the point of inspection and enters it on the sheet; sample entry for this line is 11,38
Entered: 12,54
